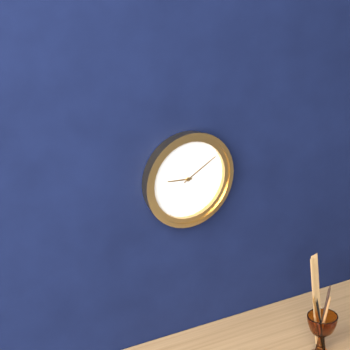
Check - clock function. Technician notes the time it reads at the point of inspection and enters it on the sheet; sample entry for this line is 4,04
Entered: 9,10
